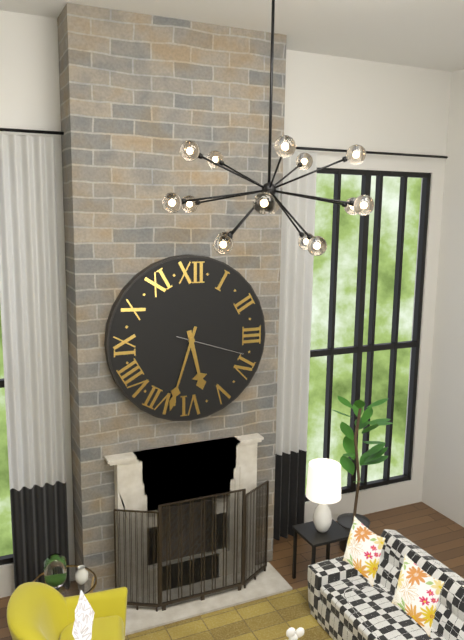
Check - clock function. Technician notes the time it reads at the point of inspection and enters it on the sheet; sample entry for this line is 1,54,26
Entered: 5,33,18
